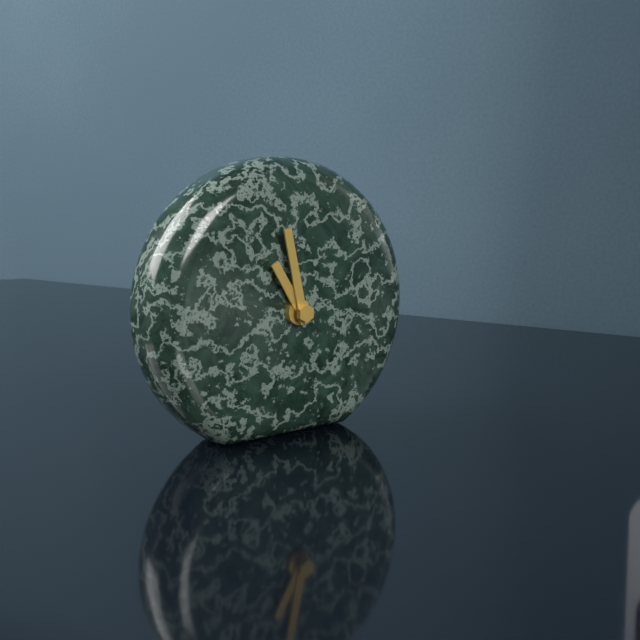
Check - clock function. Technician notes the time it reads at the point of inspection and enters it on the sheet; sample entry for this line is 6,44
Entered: 10,58
